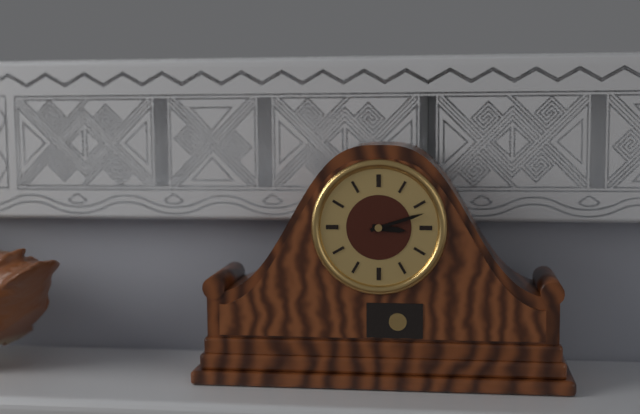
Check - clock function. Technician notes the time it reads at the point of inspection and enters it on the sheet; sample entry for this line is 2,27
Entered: 3,12
